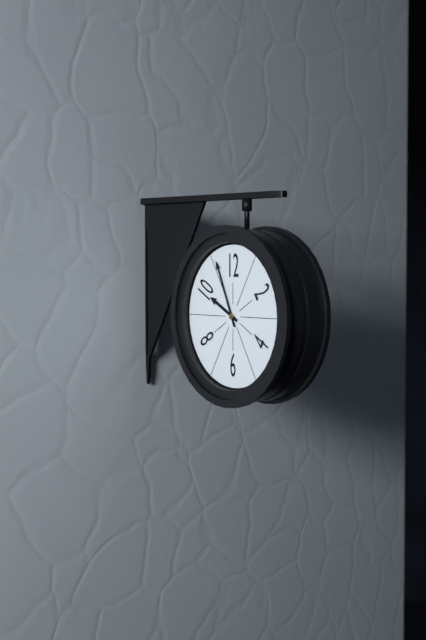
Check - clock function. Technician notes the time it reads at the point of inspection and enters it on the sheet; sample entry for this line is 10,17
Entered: 9,56
